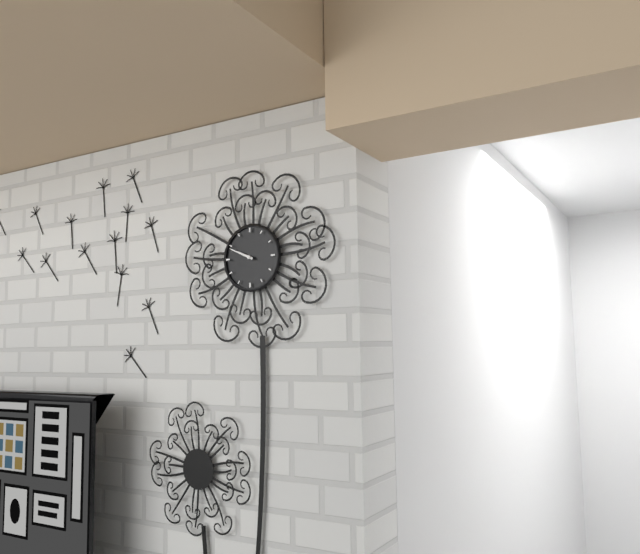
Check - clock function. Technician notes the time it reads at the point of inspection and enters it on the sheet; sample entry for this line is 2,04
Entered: 9,49
